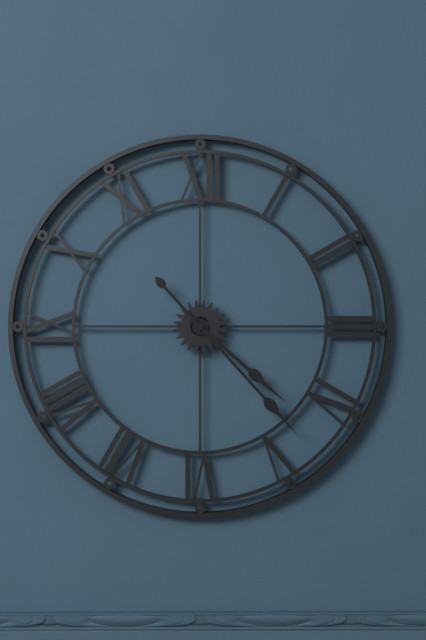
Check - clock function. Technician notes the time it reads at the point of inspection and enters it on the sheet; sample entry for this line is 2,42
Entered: 4,23
